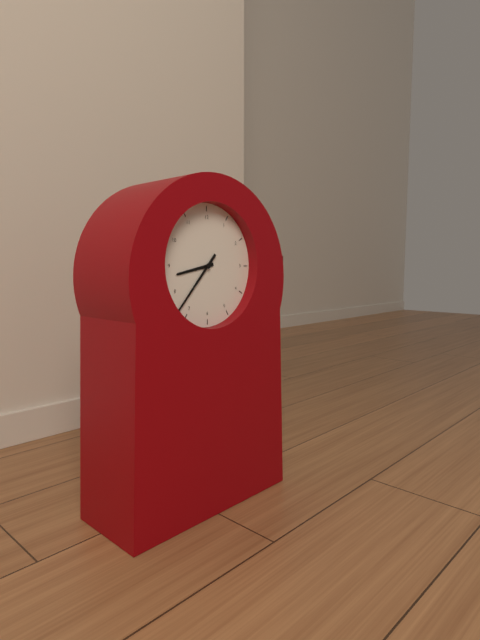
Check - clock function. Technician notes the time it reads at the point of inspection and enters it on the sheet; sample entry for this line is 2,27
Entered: 8,37
